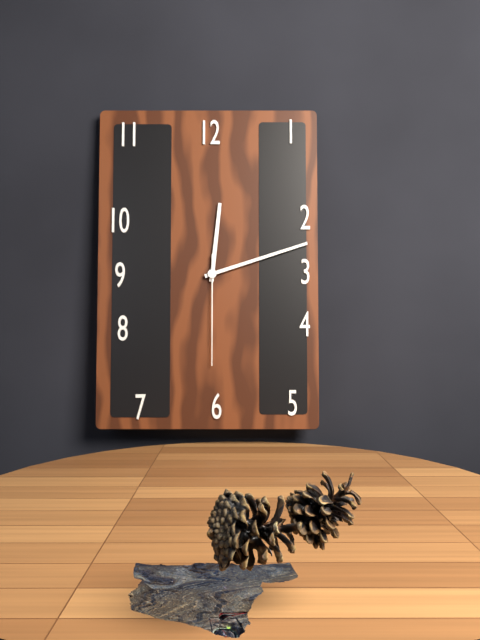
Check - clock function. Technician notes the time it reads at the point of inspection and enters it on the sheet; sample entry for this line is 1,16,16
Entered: 12,12,30
